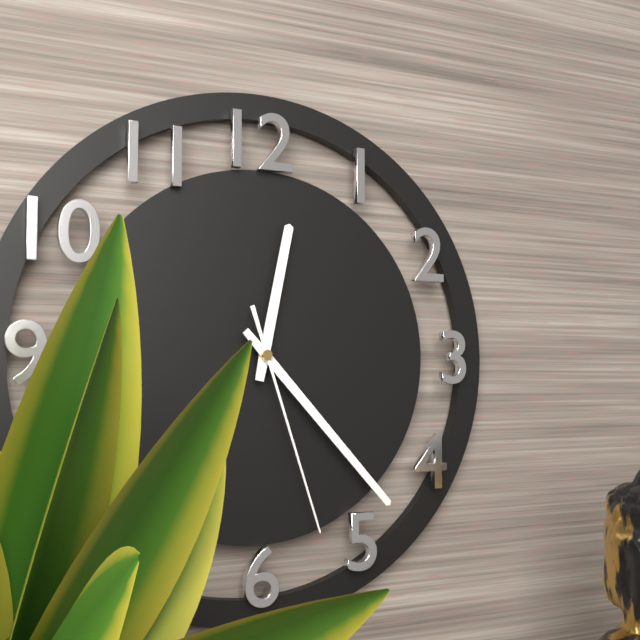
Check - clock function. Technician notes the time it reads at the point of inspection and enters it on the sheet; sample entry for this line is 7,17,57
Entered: 12,23,27
